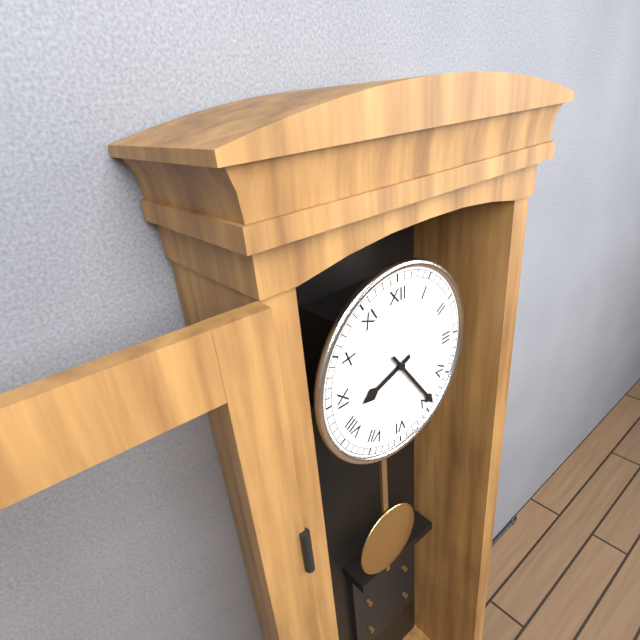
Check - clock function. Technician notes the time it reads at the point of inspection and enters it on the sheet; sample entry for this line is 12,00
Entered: 8,24
